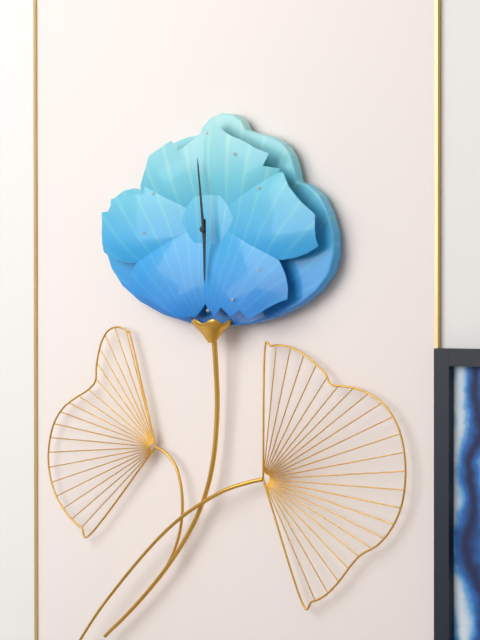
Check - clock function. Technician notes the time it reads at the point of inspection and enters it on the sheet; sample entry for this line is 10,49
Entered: 5,59
